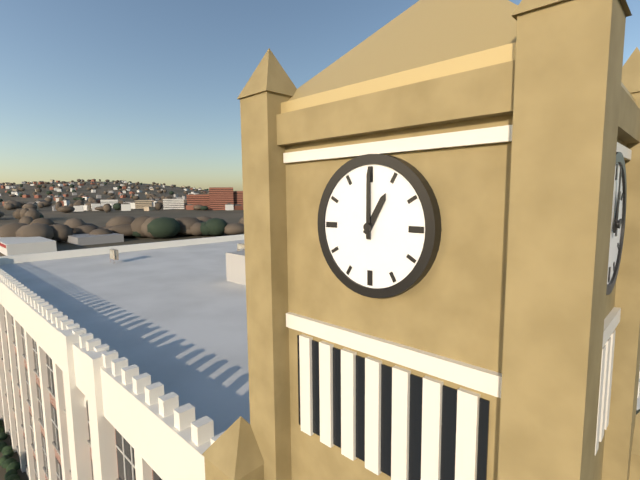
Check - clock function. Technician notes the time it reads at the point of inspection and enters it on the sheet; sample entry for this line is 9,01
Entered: 1,00
